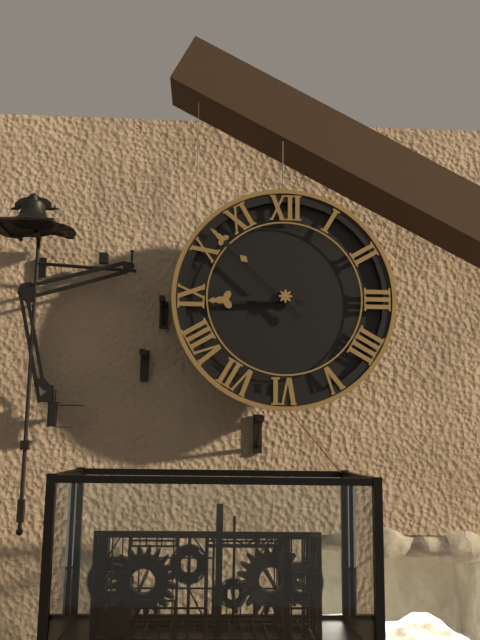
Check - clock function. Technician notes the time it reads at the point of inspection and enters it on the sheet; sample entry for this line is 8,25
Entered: 8,52
